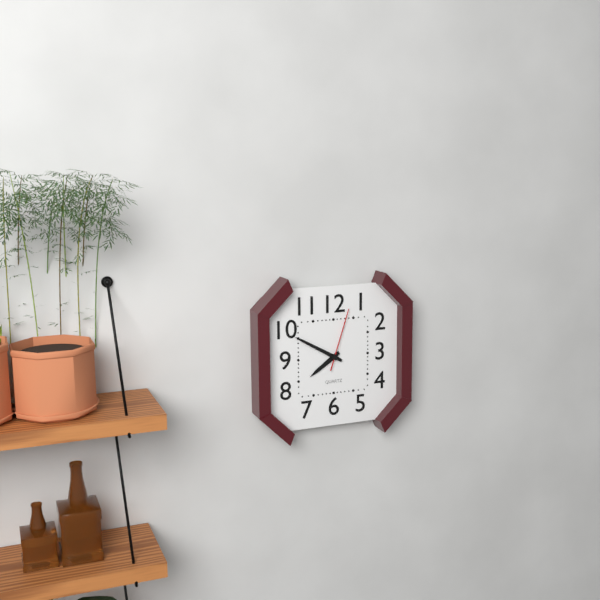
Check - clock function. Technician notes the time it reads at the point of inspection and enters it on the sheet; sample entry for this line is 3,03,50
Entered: 7,50,03
